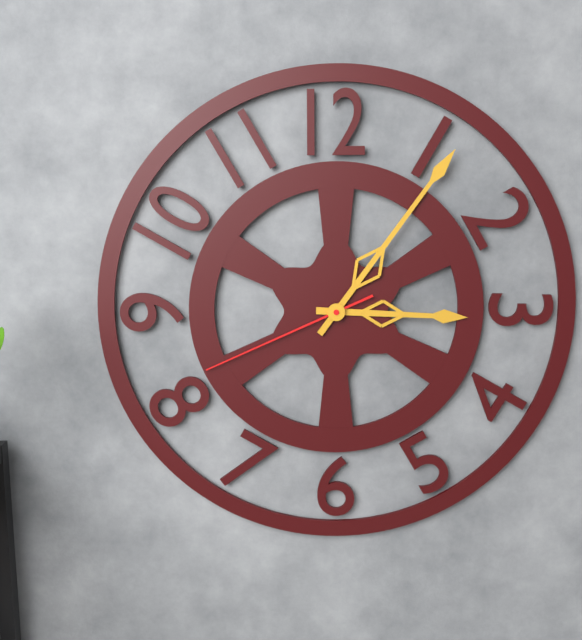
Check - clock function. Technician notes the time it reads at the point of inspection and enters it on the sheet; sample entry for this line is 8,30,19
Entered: 3,06,41
